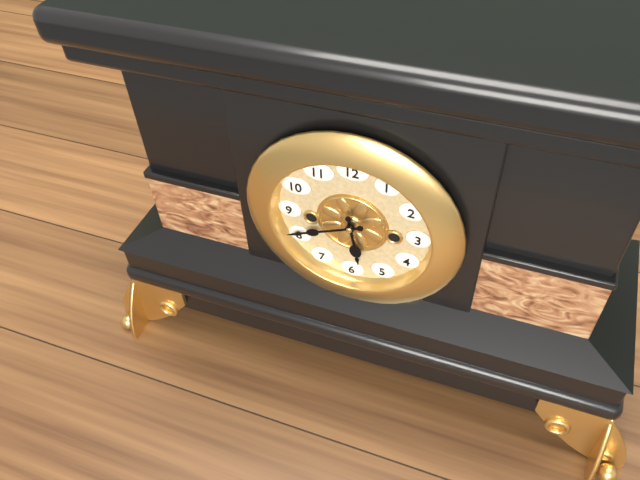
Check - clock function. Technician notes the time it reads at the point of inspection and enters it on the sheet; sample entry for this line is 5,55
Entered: 5,41
